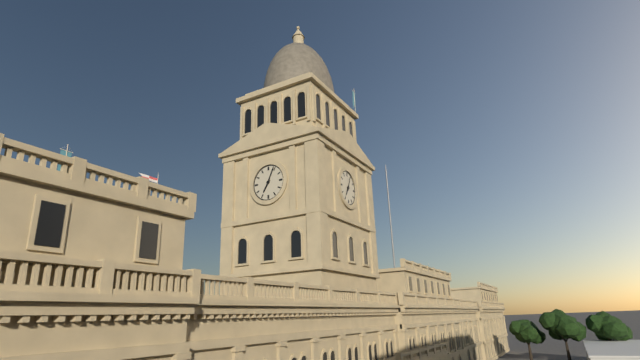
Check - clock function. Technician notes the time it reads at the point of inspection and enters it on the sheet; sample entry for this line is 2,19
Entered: 7,04
